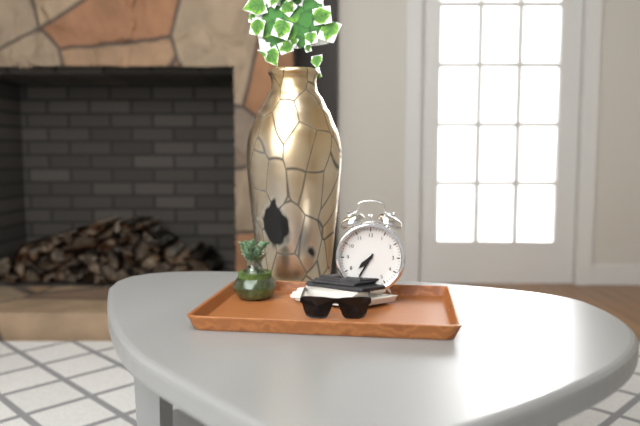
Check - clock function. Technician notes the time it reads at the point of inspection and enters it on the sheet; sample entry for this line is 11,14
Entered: 7,35
